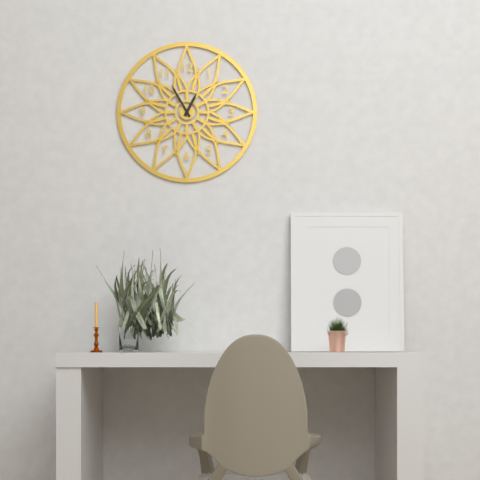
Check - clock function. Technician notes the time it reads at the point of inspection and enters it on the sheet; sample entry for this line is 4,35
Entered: 12,55
